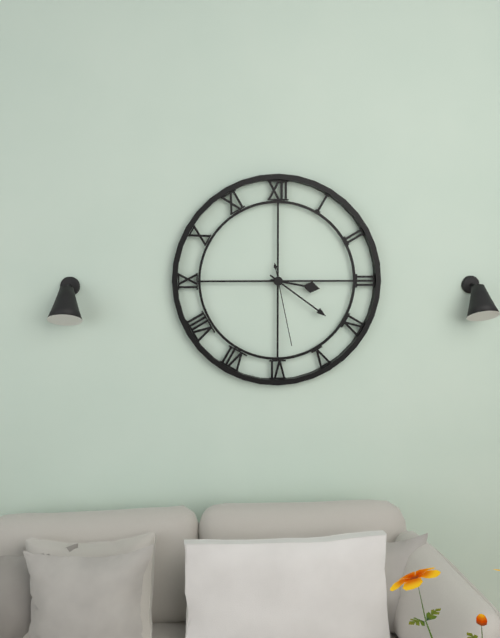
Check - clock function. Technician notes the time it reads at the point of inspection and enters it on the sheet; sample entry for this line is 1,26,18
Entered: 3,21,28
